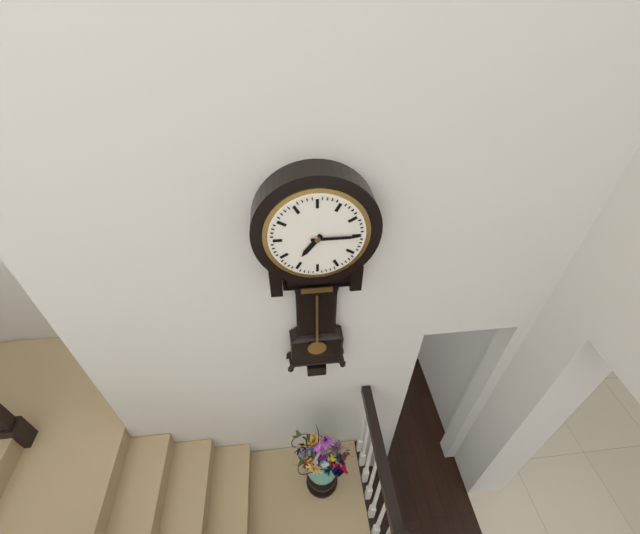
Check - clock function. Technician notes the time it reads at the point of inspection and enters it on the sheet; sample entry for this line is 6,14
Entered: 7,15
